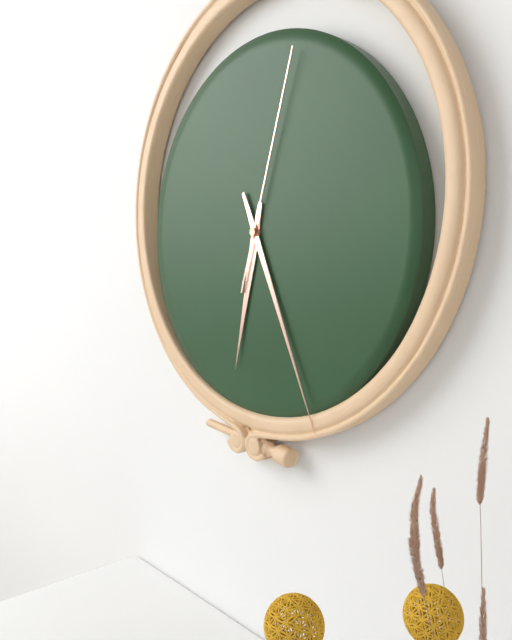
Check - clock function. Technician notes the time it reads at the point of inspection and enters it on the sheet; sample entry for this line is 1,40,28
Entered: 6,26,03
